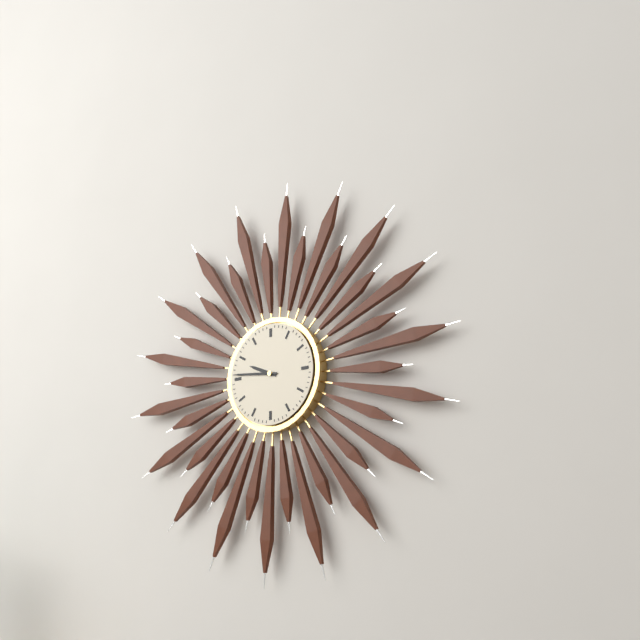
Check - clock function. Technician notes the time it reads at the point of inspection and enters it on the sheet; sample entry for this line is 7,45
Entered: 9,46
